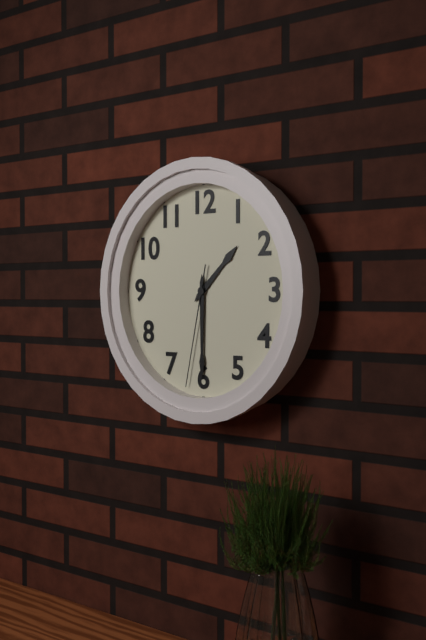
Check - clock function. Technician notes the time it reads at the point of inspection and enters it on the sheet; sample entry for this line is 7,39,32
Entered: 1,30,32
